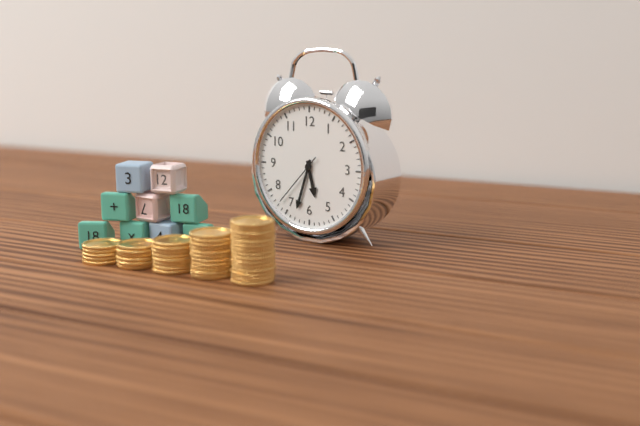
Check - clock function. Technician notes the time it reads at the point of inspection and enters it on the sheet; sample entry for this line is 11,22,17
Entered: 5,33,37
